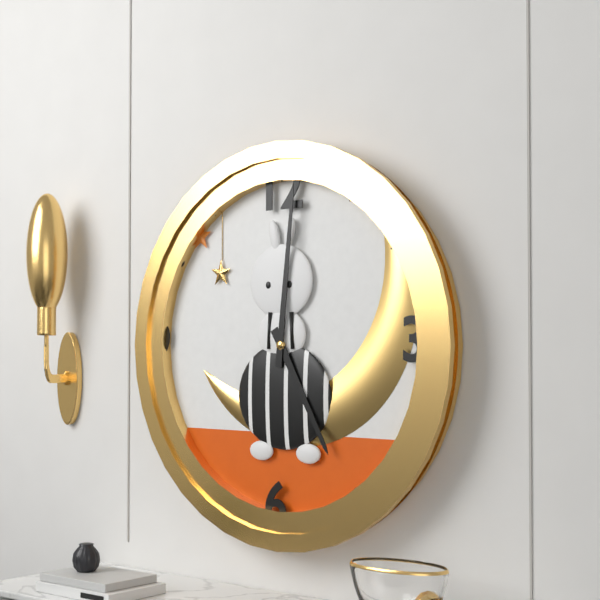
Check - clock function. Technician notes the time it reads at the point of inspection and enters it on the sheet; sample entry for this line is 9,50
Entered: 5,01
